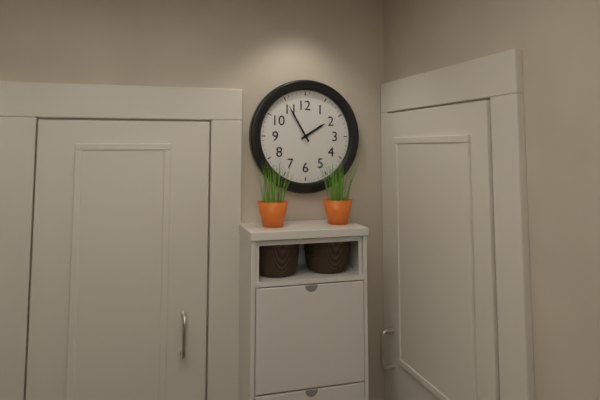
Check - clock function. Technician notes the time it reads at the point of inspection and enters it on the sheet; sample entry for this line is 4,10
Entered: 1,55
